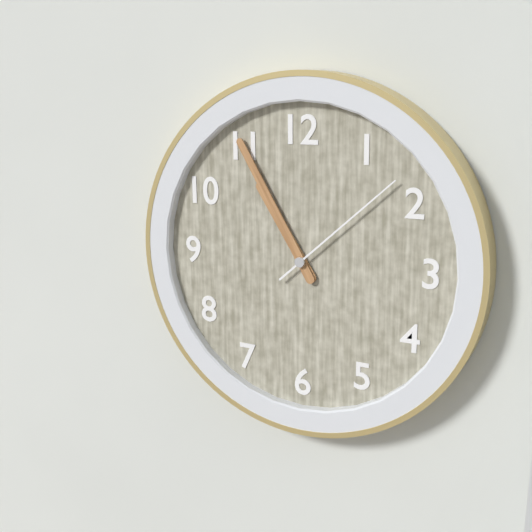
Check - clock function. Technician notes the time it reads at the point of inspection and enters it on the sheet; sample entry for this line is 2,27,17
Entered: 10,55,08
